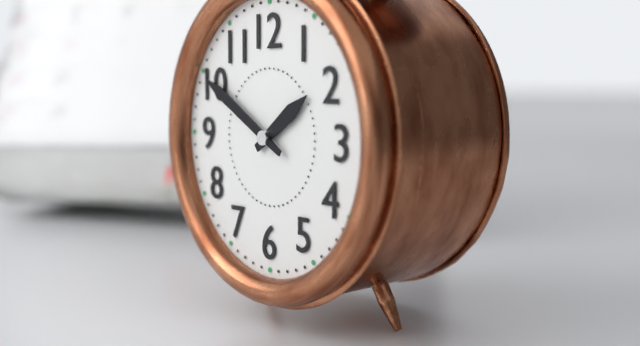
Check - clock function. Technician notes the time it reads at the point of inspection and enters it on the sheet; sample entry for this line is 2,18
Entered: 1,50
